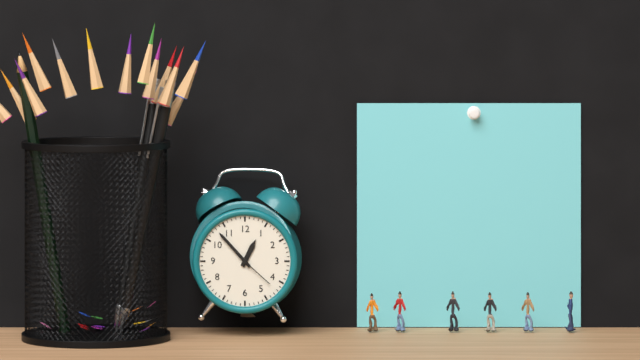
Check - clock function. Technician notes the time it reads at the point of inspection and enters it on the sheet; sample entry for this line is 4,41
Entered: 12,53
